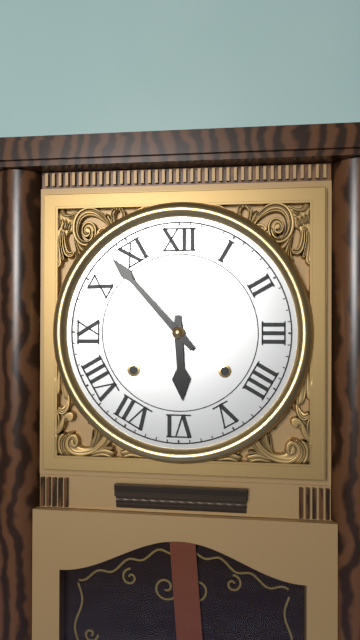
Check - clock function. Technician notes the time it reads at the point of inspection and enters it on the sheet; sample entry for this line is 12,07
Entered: 5,53
